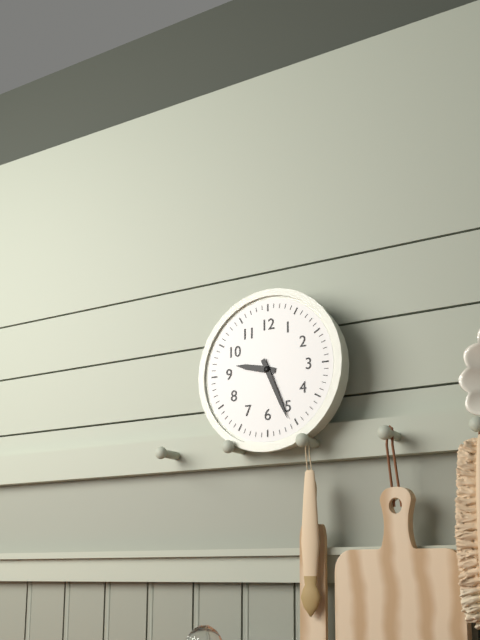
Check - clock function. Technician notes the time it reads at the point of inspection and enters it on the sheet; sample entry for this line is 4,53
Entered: 9,26
